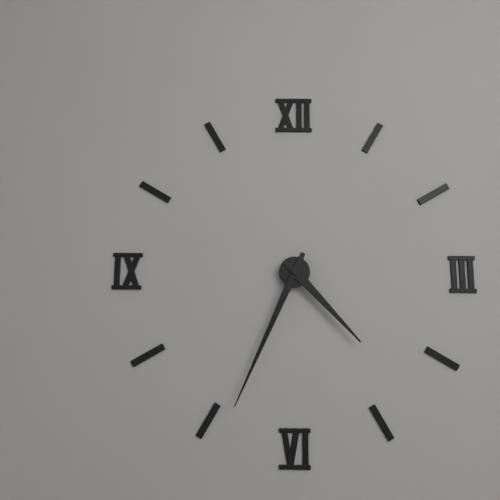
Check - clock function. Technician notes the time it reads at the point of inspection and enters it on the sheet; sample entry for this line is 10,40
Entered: 4,34
